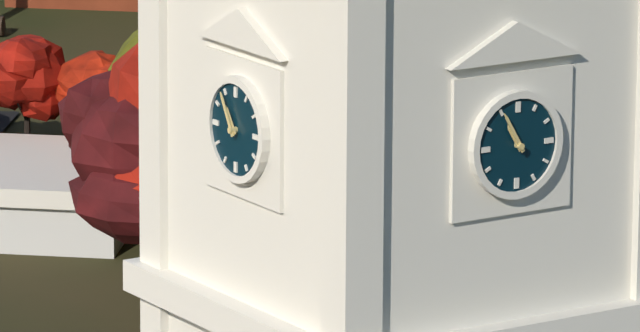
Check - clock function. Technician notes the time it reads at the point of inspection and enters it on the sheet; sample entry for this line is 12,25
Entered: 10,55
